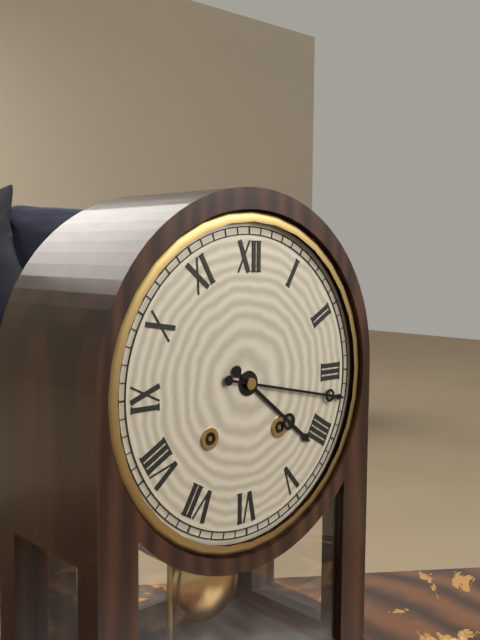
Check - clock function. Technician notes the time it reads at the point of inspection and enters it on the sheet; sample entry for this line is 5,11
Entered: 4,17
